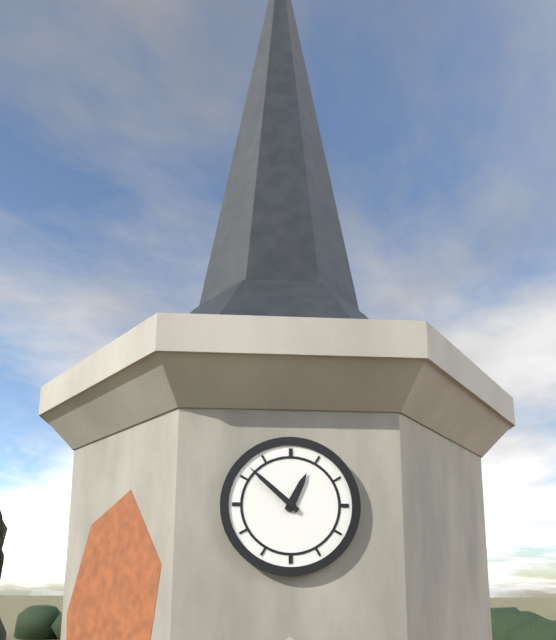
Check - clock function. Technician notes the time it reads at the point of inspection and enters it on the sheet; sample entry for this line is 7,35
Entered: 12,52
